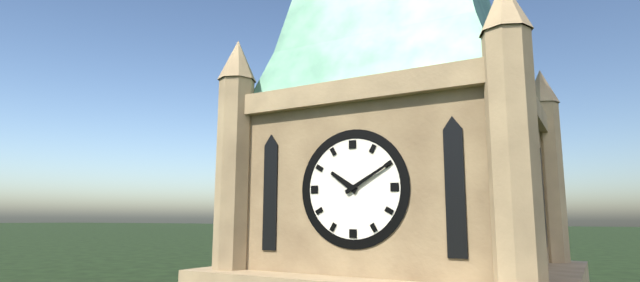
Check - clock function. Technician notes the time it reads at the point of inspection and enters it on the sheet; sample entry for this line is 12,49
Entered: 10,10
